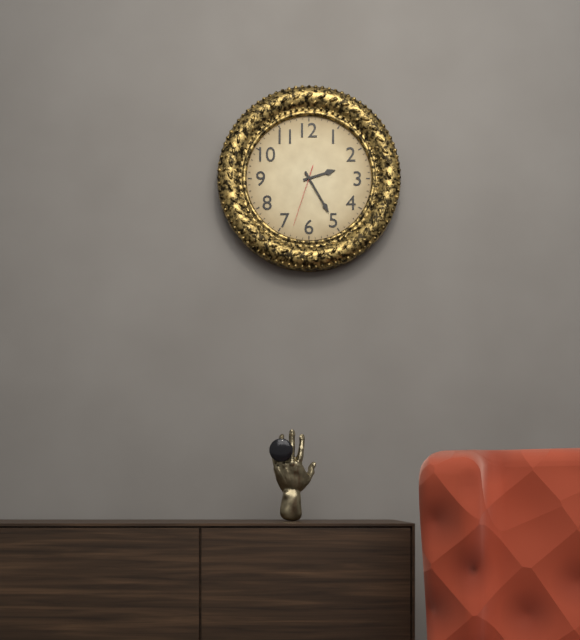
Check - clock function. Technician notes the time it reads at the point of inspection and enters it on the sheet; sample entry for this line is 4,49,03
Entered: 2,25,33
